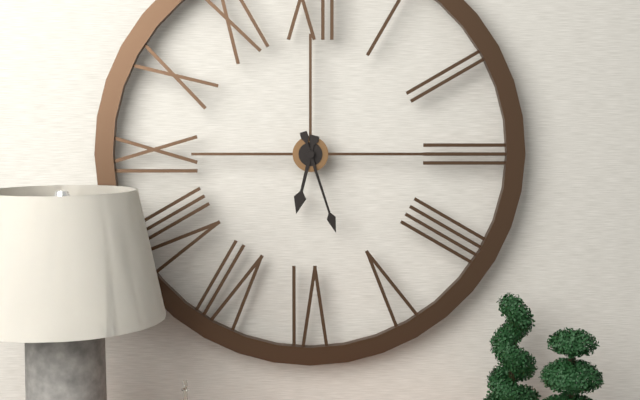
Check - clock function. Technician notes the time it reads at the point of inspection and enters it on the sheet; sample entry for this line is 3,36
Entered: 6,27
